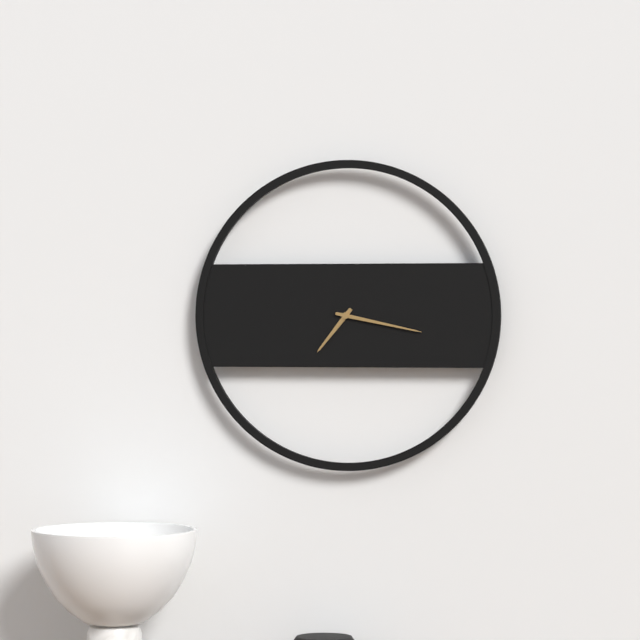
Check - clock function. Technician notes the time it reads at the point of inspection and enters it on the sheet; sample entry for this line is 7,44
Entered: 7,17
